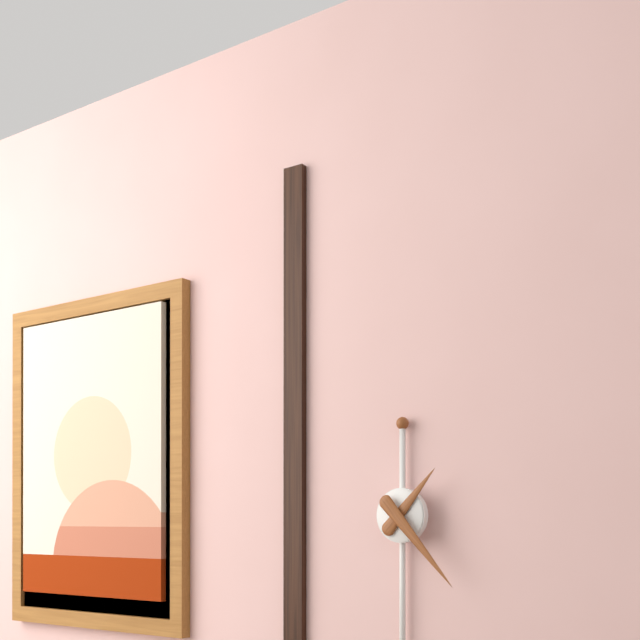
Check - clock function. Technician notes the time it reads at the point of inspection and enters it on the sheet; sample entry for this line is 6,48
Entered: 1,23
